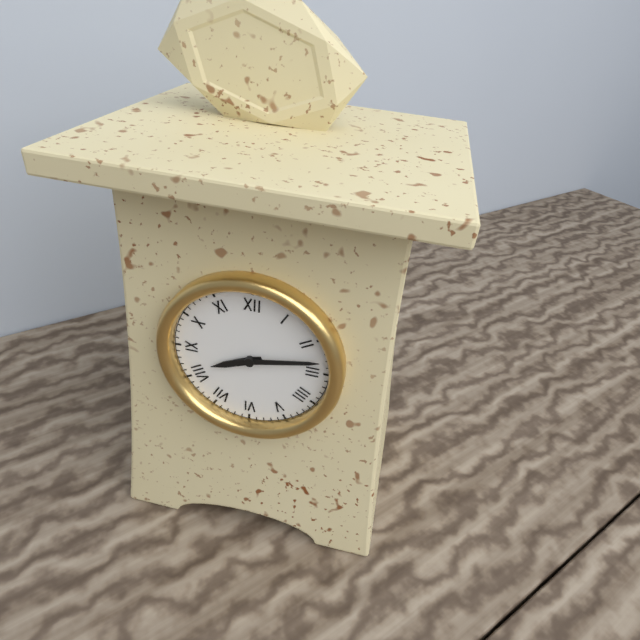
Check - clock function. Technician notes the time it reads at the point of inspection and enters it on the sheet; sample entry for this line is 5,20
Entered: 8,13
